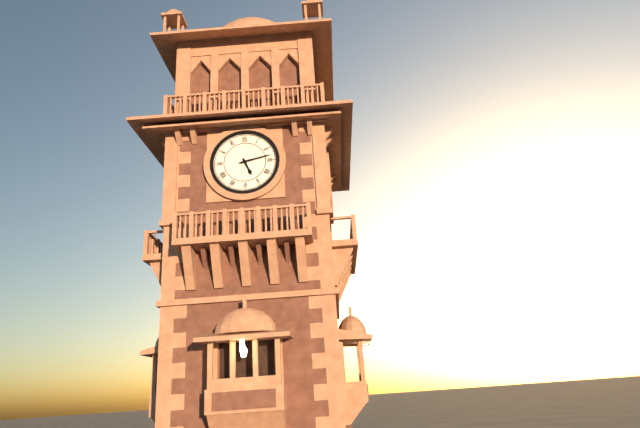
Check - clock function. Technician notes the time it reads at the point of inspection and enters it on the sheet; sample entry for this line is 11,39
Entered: 5,13
